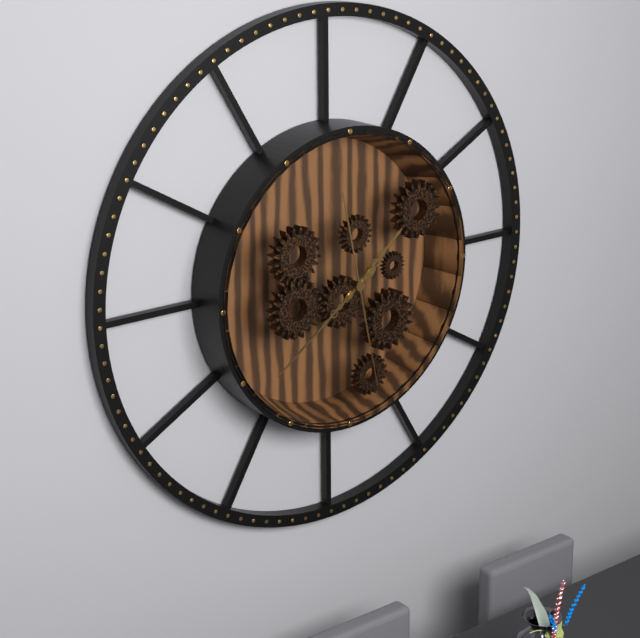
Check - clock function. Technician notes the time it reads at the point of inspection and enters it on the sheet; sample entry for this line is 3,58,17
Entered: 1,39,28
